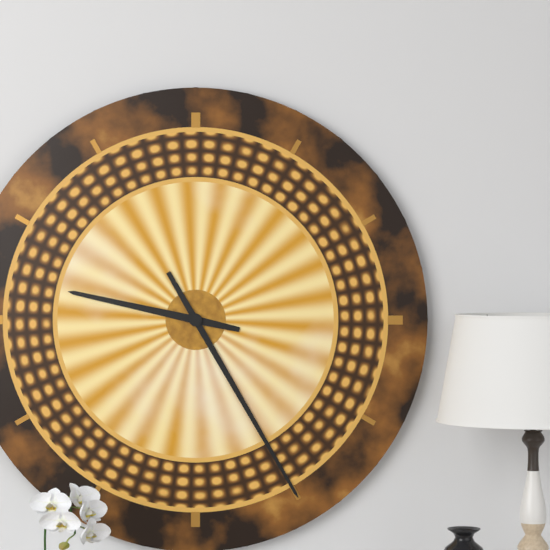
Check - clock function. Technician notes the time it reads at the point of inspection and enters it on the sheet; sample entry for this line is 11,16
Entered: 9,25
